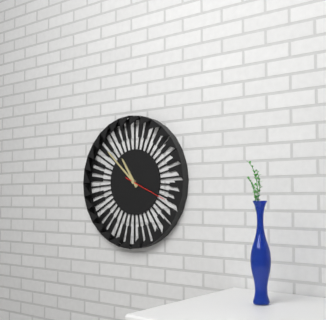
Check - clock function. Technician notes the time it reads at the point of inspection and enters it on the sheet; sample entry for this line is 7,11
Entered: 10,52
